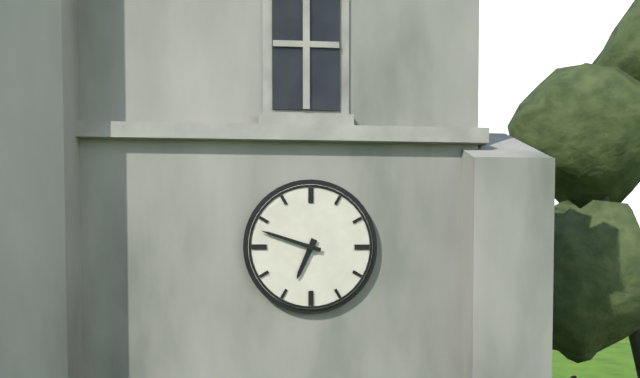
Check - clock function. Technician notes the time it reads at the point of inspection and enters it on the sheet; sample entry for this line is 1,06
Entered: 6,48
